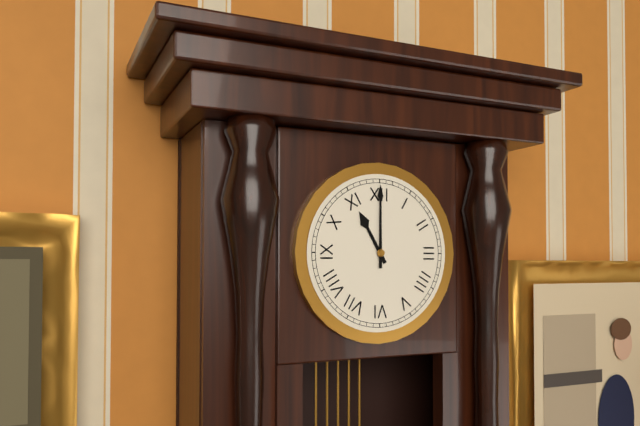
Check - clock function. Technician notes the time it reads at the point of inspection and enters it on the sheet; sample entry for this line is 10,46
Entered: 11,00
